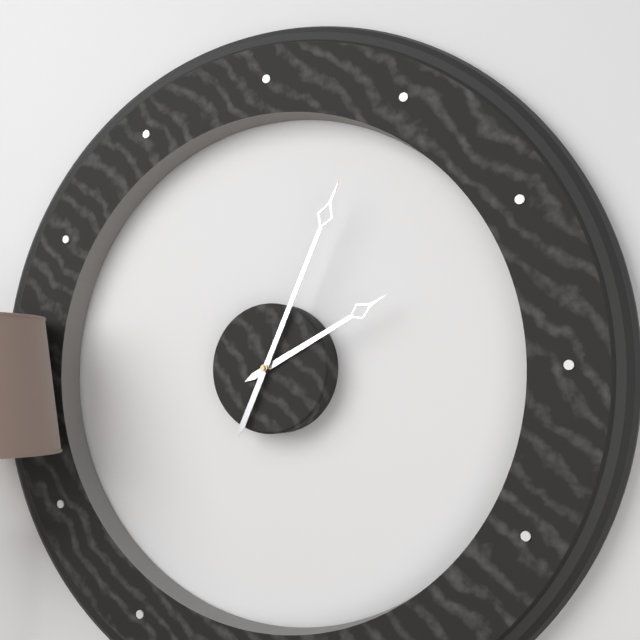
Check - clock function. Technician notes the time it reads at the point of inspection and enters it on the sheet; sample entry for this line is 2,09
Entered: 2,04
